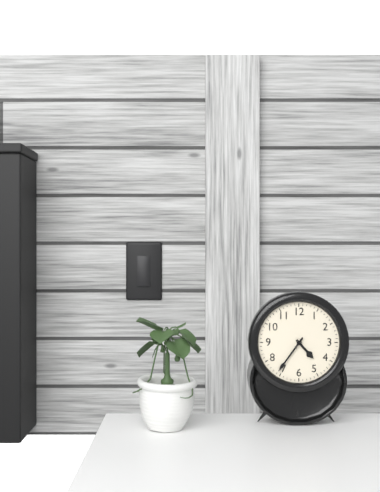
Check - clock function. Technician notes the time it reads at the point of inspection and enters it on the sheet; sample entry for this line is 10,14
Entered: 4,36
